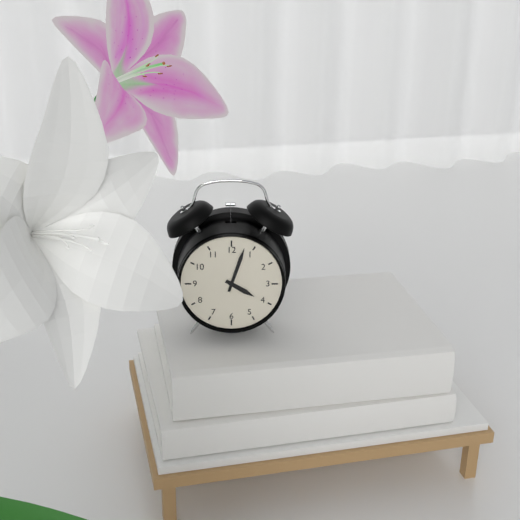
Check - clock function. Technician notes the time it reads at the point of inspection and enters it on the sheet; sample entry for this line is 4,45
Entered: 4,03
